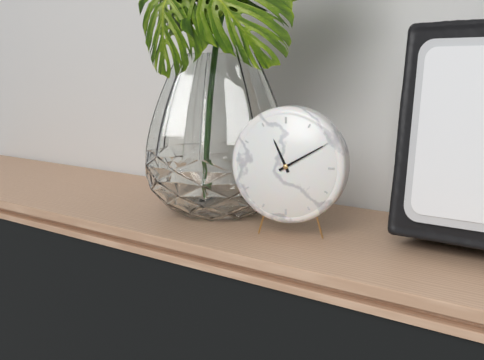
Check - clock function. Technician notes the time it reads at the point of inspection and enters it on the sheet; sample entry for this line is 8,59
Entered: 11,10
